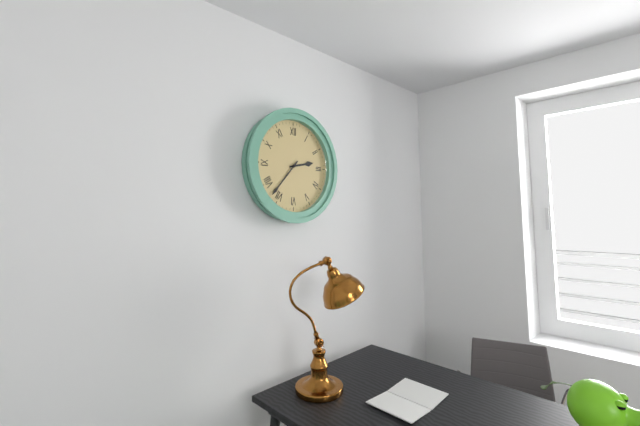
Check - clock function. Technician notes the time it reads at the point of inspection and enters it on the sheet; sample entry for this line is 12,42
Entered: 2,37
